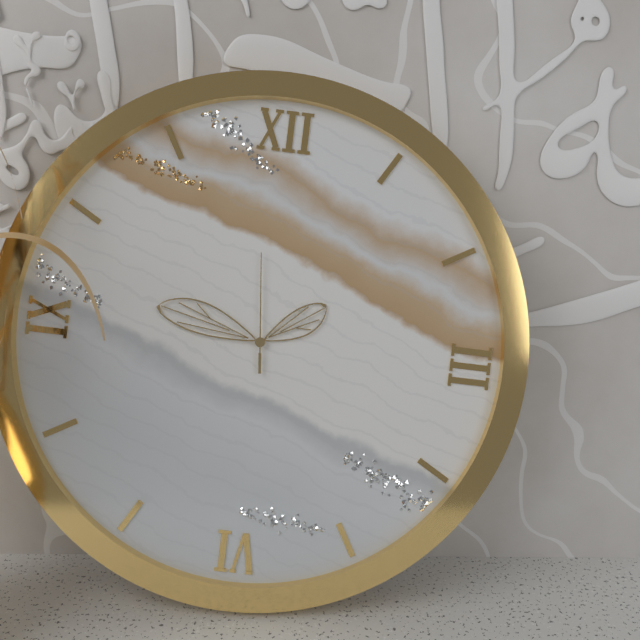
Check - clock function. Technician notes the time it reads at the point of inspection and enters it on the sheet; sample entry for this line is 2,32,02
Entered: 1,47,59
